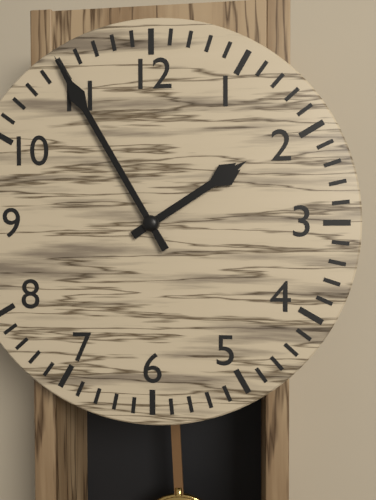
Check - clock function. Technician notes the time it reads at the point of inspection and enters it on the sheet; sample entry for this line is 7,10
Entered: 1,55
